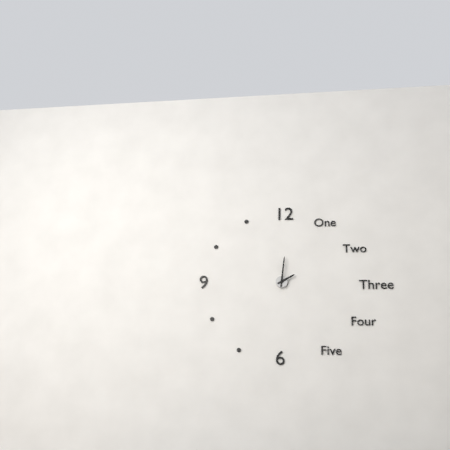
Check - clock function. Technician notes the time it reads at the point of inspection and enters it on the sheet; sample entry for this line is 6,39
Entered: 2,01
